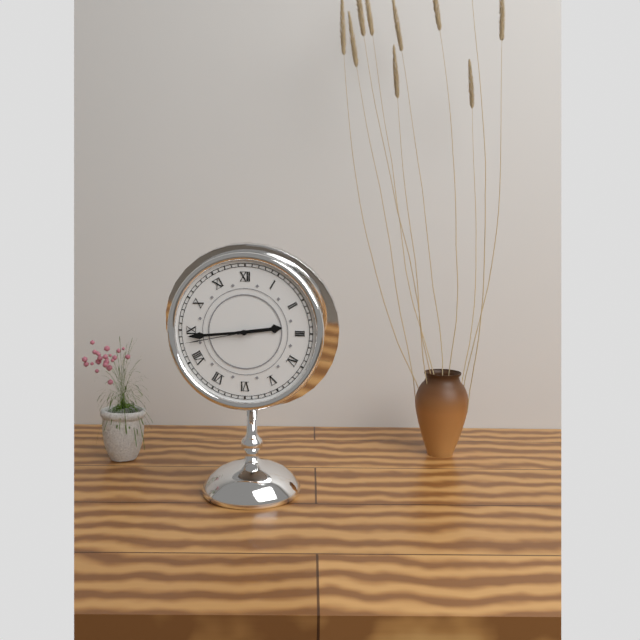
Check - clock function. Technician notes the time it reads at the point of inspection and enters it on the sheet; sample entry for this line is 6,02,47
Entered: 2,44,43
